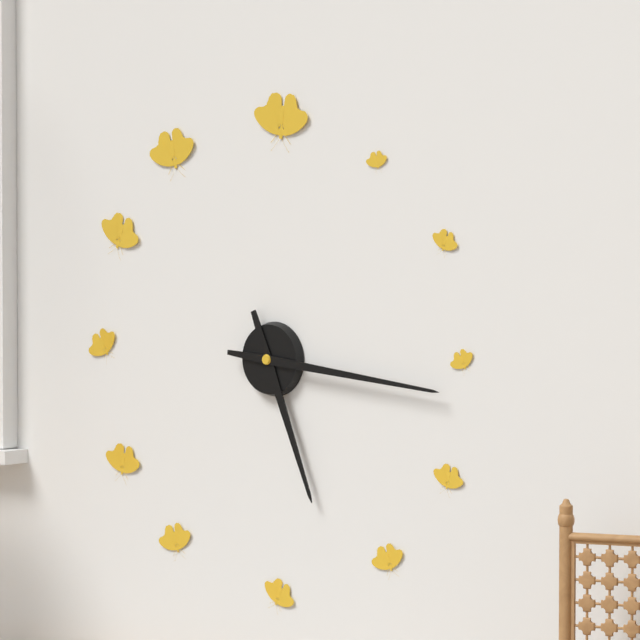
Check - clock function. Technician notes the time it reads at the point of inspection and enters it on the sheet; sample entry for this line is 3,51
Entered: 5,16
